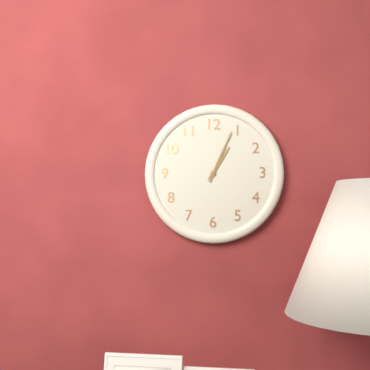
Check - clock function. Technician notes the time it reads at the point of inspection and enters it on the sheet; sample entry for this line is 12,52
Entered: 1,04
